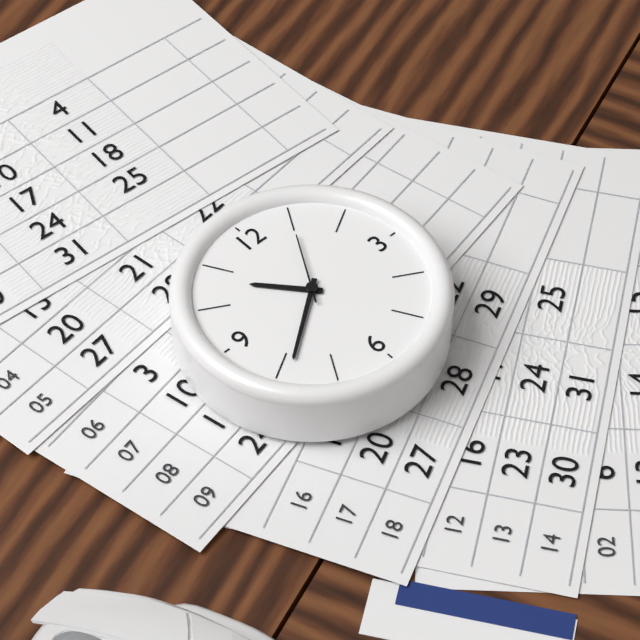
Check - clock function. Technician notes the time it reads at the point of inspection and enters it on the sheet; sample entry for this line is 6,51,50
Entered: 10,39,05
